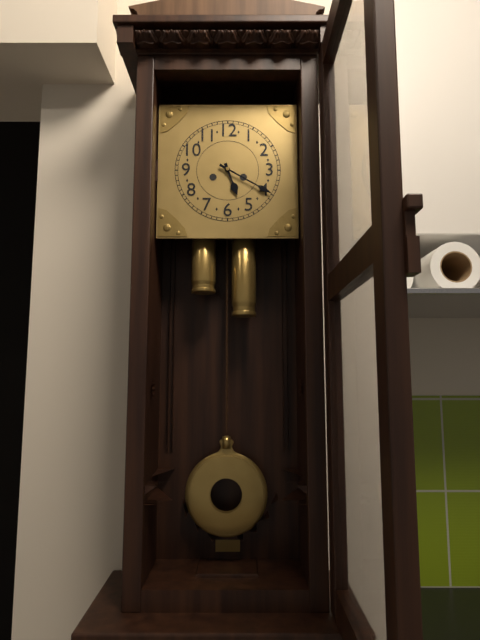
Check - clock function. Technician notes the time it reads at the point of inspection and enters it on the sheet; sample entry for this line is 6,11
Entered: 5,20
